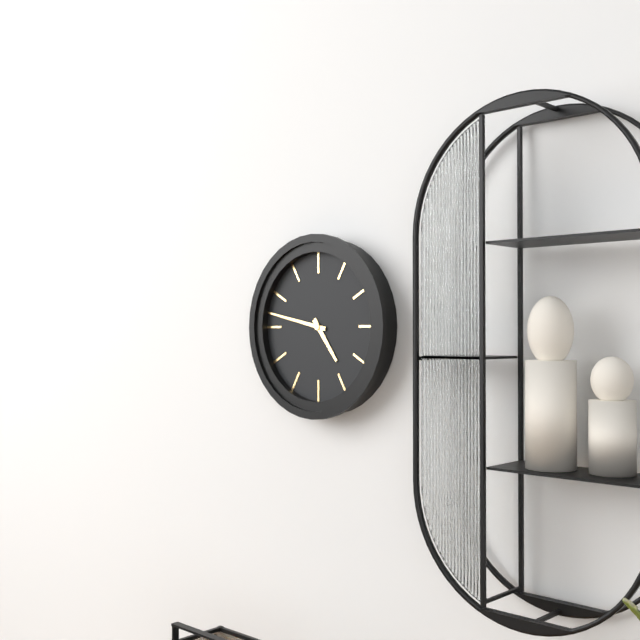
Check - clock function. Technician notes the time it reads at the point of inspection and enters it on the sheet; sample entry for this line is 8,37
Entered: 4,47
